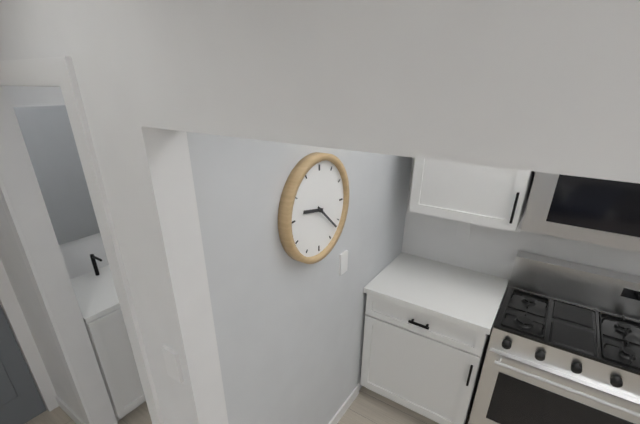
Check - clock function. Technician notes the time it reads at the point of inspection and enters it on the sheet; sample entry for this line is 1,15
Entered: 9,22
